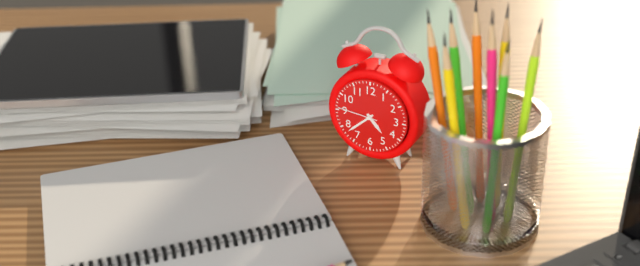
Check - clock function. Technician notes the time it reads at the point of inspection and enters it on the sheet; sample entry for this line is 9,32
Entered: 4,38
